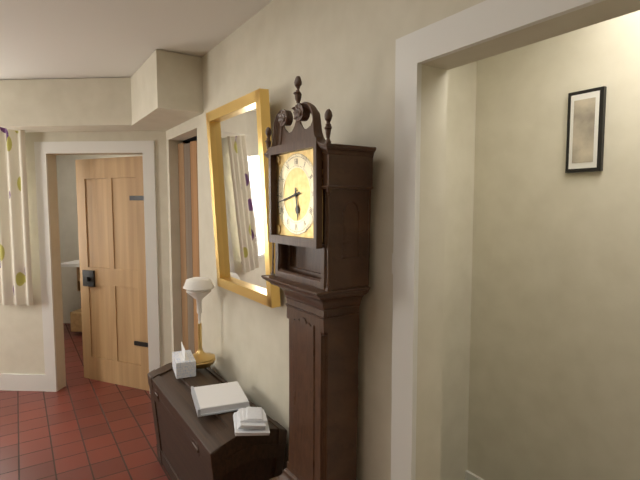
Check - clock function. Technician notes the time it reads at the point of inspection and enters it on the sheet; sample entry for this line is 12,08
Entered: 5,43
